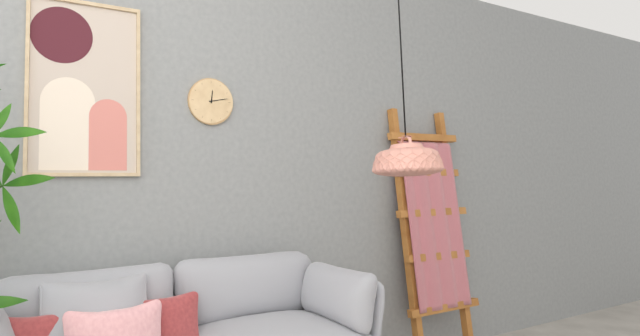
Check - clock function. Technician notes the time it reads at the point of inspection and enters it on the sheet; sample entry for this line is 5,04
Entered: 12,13
